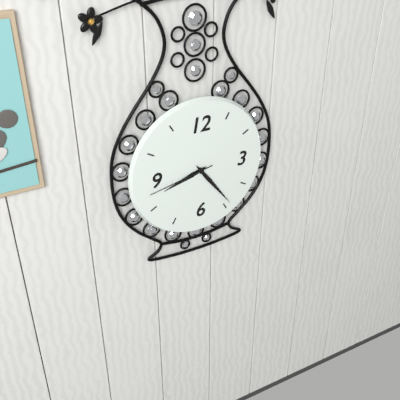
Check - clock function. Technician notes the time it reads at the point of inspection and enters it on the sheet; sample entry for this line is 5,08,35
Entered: 8,24,43
